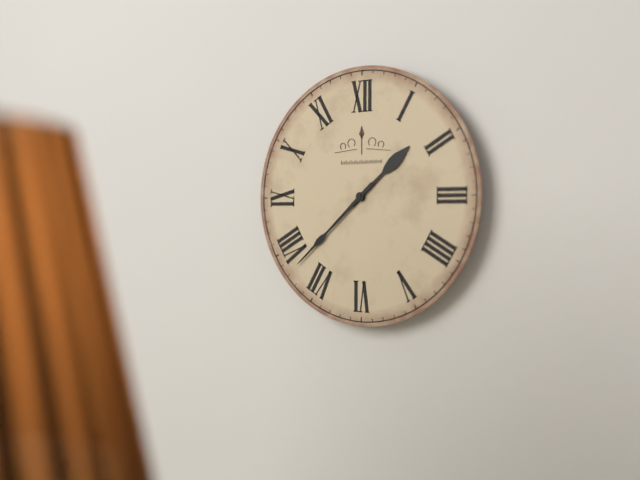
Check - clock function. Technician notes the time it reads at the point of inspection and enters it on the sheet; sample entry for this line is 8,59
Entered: 1,38
